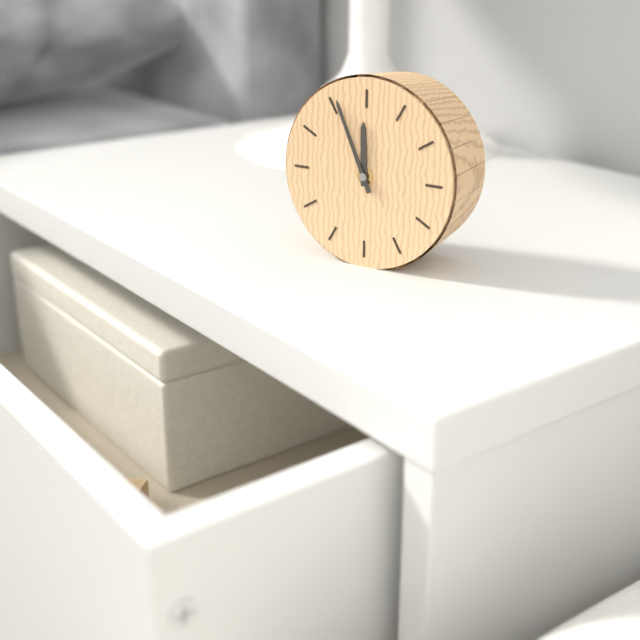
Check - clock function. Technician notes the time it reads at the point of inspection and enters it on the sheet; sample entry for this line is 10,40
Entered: 11,56
